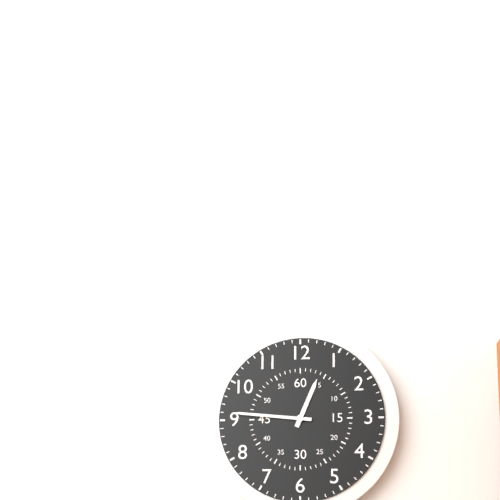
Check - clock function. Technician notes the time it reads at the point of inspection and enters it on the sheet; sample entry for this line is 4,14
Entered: 12,46
